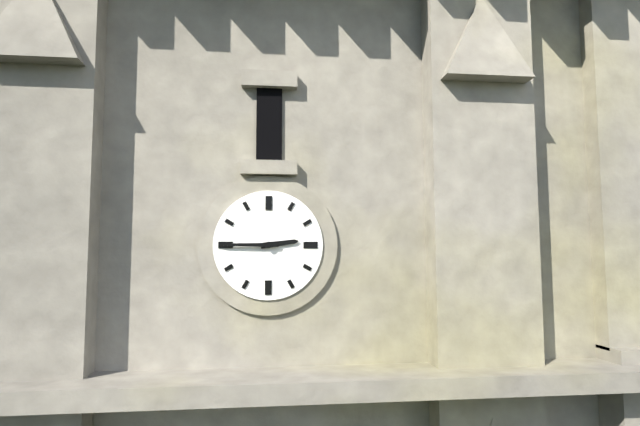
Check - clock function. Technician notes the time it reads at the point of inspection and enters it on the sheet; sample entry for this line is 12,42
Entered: 2,45
